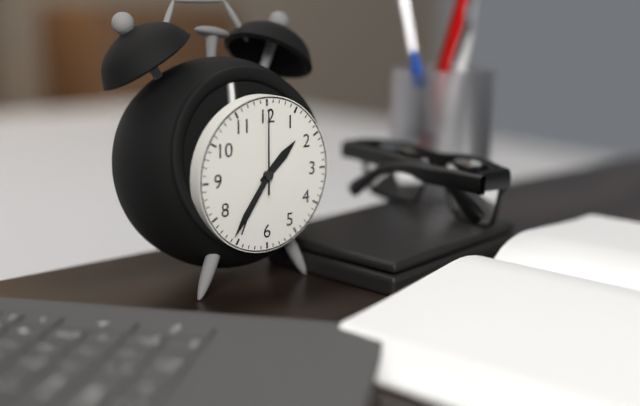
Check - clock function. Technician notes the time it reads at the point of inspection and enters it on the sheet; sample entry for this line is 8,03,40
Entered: 1,36,00
